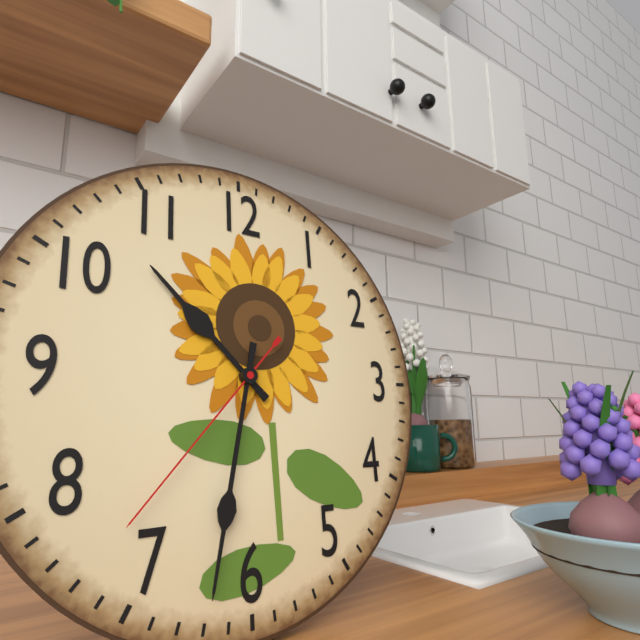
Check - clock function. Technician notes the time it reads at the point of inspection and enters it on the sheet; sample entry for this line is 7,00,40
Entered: 10,32,37
